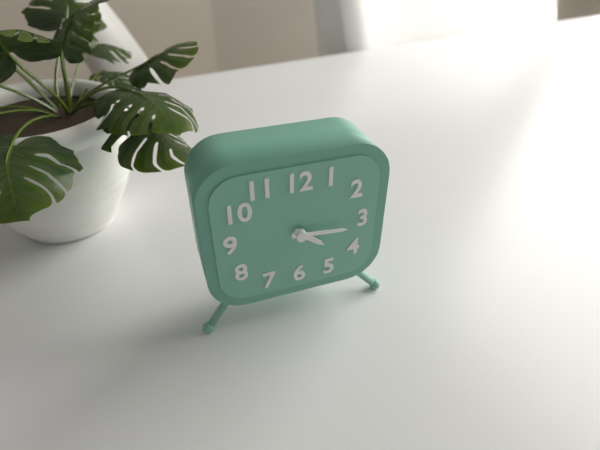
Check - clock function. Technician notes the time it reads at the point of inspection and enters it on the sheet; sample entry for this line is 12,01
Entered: 4,16
